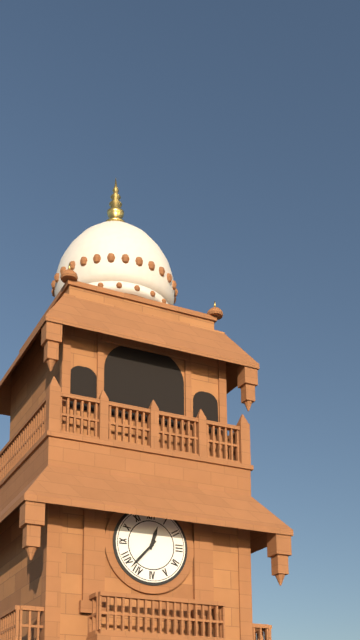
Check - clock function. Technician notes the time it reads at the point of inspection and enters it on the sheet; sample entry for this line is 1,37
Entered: 12,37
